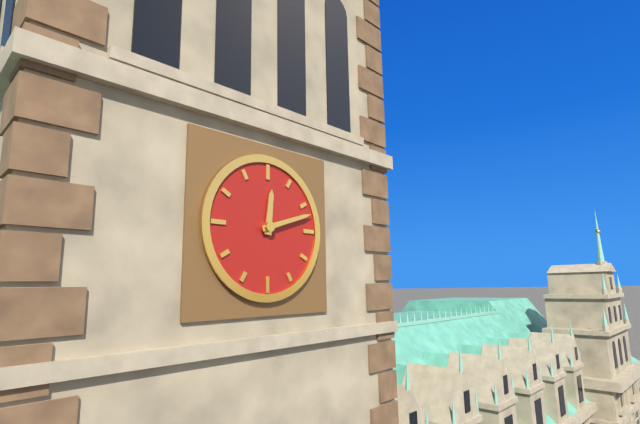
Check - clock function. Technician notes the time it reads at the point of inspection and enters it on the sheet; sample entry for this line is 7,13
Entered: 12,12
